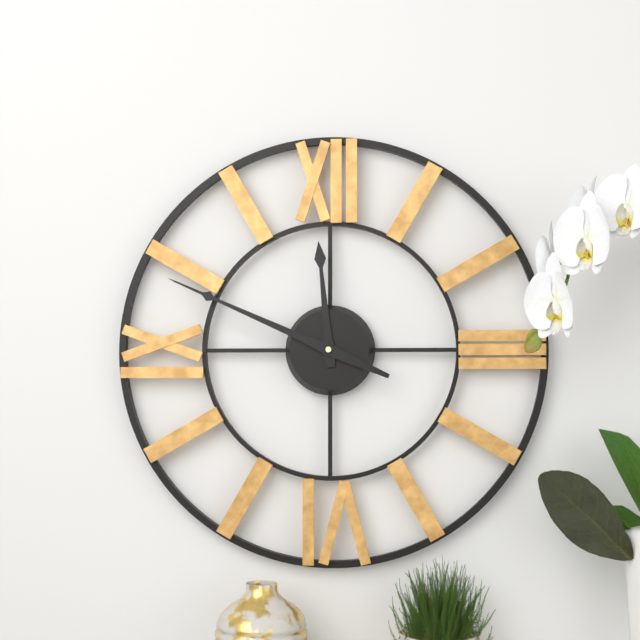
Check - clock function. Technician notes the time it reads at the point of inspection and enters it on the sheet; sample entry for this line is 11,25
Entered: 11,49
